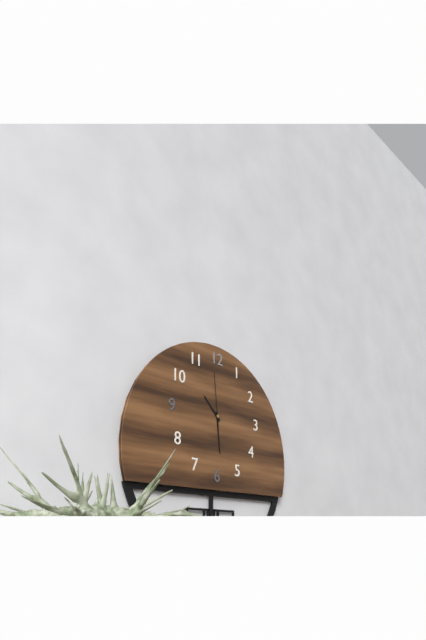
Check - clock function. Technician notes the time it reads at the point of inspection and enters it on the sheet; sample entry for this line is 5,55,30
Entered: 10,29,59
